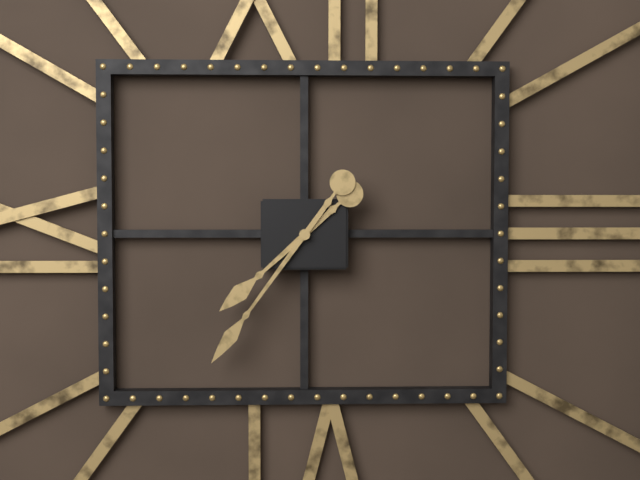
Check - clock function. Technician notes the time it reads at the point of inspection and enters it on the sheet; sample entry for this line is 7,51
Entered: 7,36
